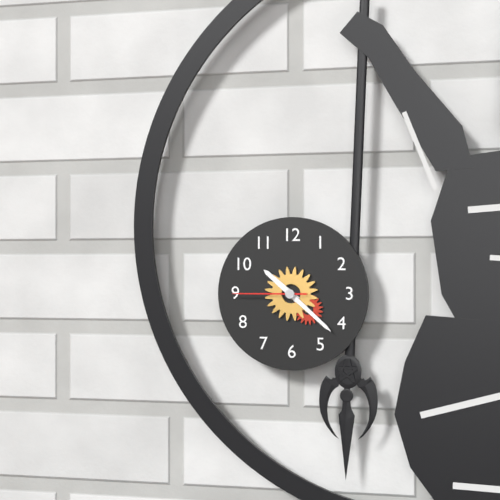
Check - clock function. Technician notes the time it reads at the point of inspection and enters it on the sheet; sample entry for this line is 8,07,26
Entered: 10,22,45
